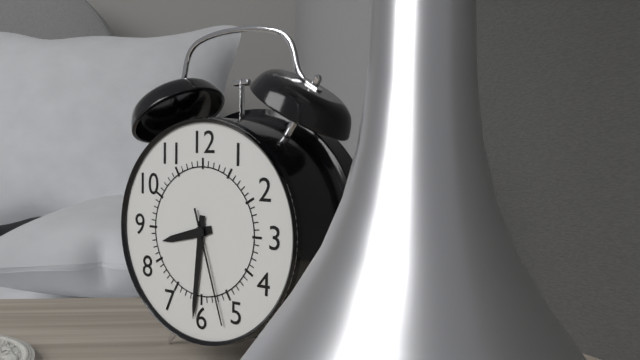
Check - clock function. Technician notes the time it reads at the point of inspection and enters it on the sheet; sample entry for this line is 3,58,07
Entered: 8,31,27
